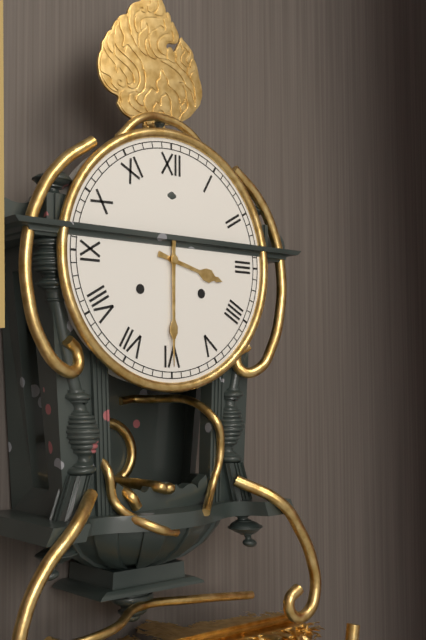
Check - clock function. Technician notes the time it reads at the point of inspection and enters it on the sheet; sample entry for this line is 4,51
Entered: 3,30
